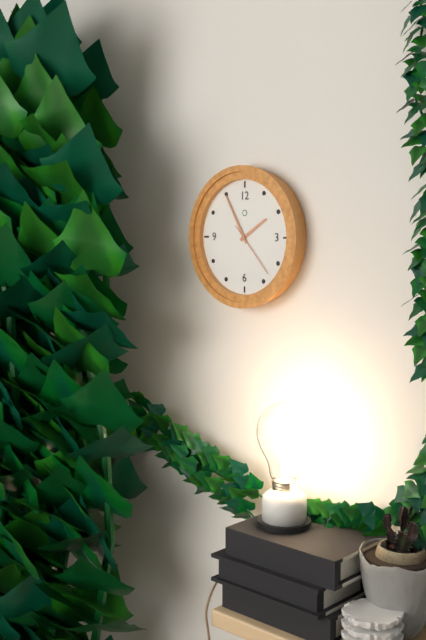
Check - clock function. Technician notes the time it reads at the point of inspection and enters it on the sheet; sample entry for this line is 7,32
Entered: 1,55
